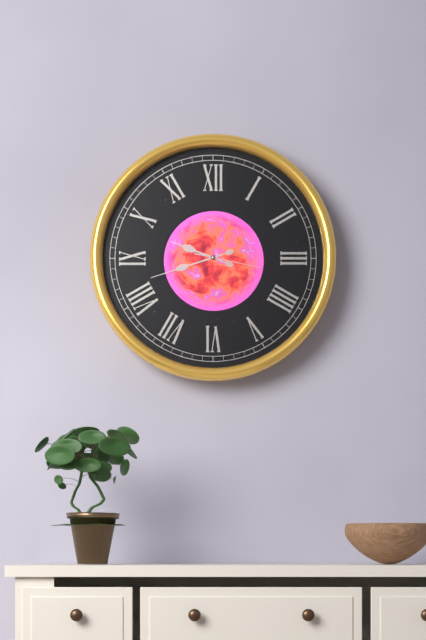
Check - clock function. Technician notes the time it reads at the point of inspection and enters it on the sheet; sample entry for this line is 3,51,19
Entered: 9,42,17
